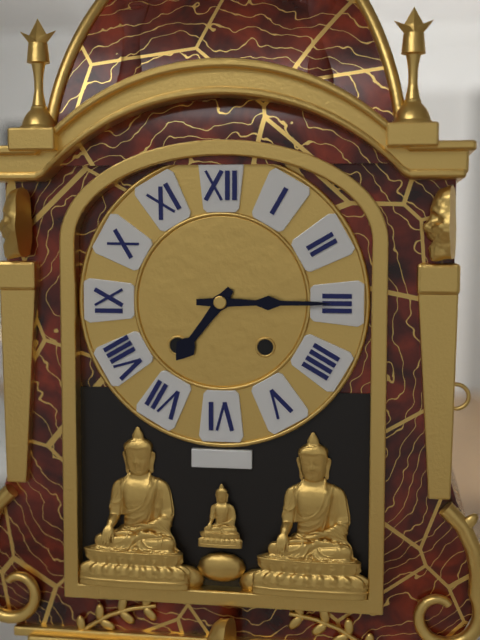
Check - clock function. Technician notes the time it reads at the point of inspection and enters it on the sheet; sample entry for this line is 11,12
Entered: 7,15
